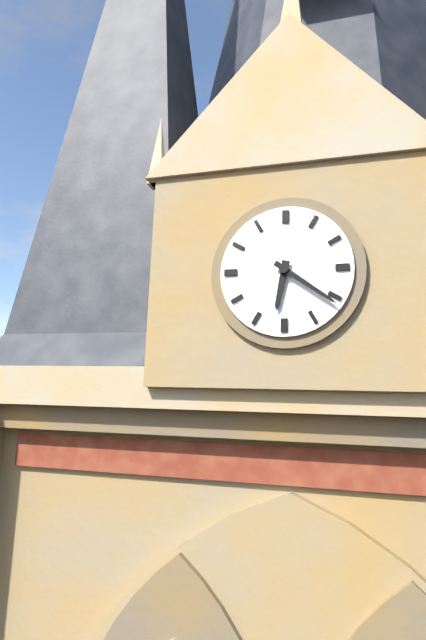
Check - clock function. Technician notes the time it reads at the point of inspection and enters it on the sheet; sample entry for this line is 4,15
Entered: 6,21
